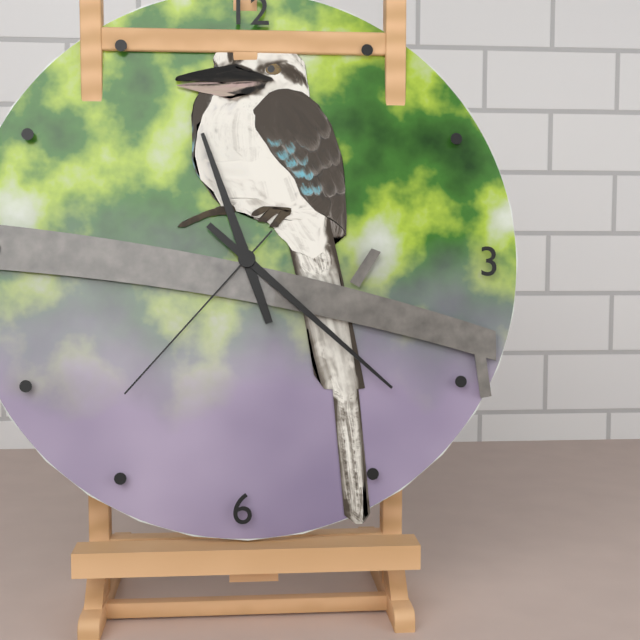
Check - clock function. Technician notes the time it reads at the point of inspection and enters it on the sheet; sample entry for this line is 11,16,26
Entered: 11,22,37
